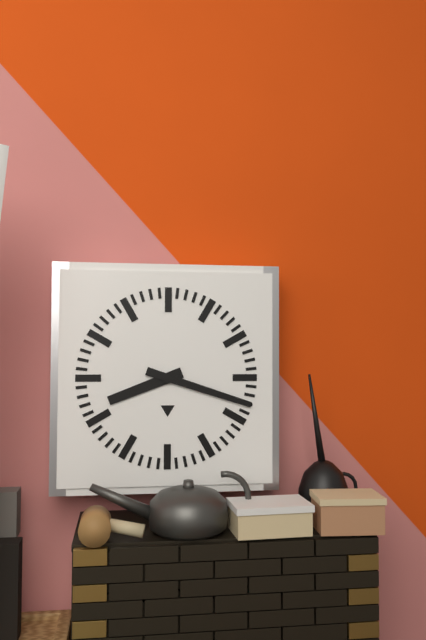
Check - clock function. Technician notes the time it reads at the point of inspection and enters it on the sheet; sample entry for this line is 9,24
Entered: 8,18
